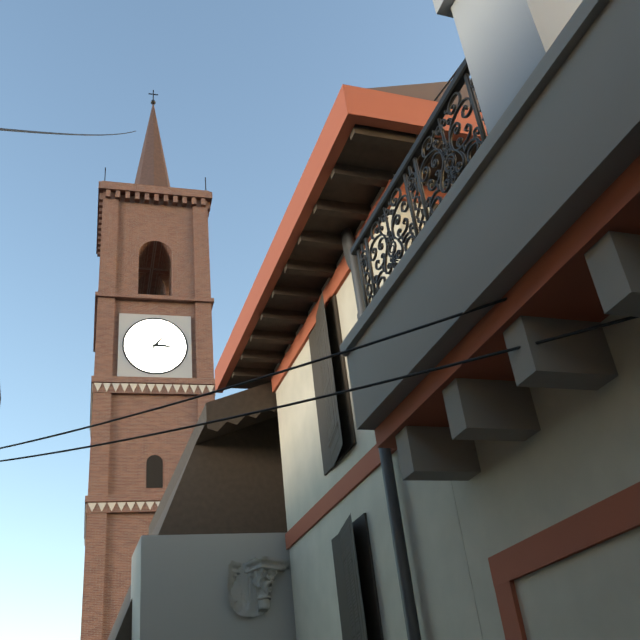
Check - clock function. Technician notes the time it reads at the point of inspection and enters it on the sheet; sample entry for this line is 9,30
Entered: 3,06
